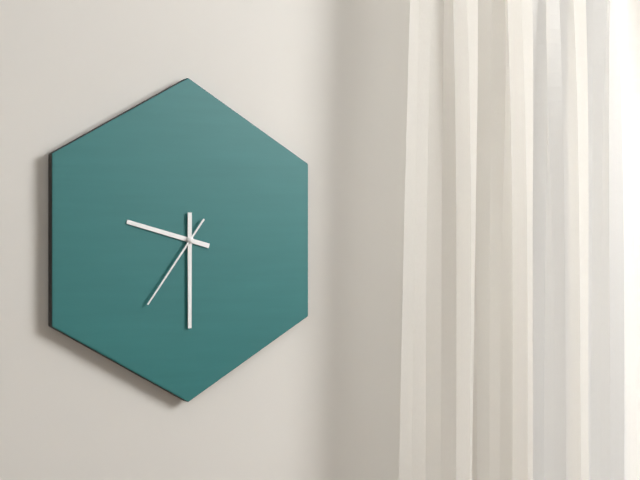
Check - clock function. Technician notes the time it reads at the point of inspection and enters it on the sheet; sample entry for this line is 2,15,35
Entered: 9,30,36
